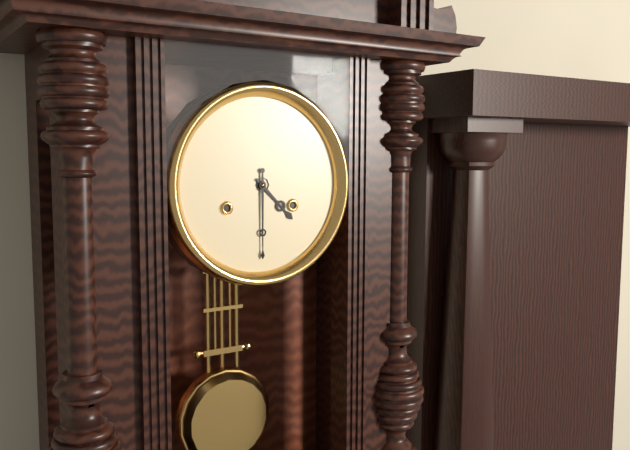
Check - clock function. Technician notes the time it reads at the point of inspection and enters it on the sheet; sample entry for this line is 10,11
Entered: 4,30
